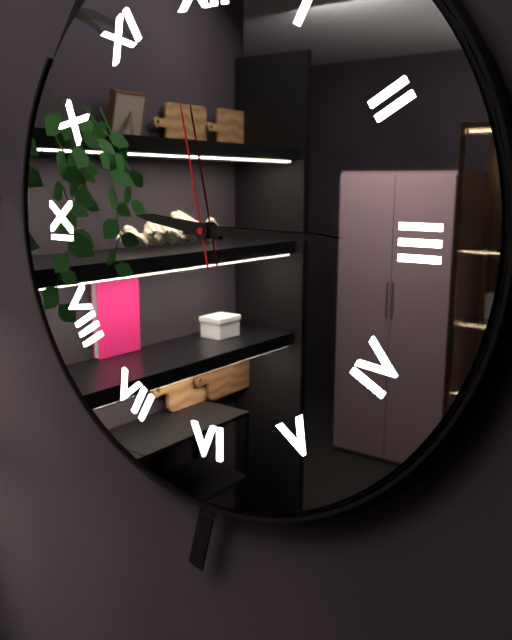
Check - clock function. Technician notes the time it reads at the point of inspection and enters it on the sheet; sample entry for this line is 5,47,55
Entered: 9,15,58
